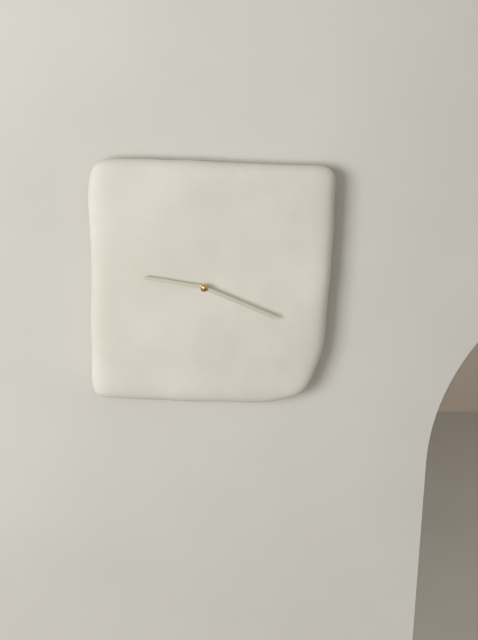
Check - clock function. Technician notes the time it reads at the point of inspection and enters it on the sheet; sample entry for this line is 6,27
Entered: 9,19
